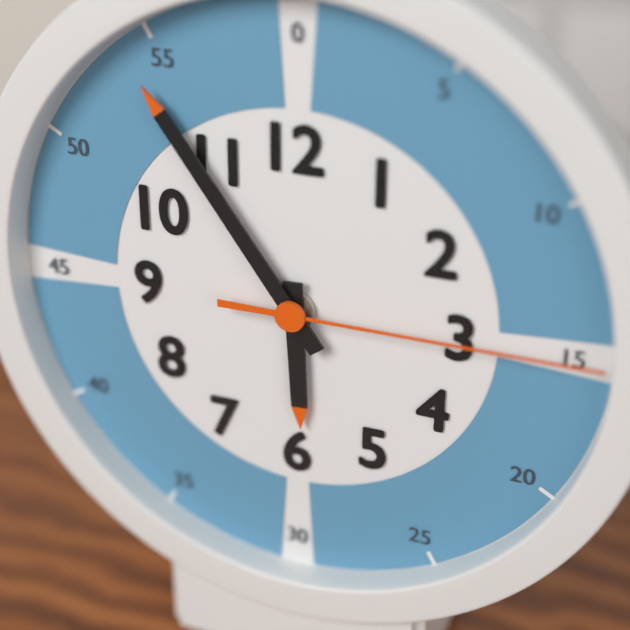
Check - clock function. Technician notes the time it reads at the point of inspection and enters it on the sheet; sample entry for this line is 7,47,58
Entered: 5,54,15
